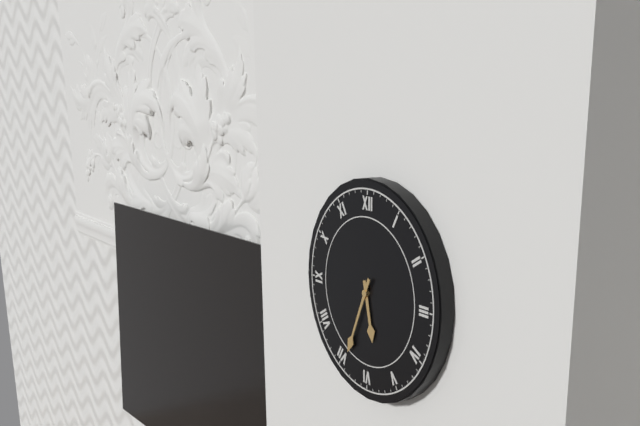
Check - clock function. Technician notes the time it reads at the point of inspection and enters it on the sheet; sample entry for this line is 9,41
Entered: 5,34
